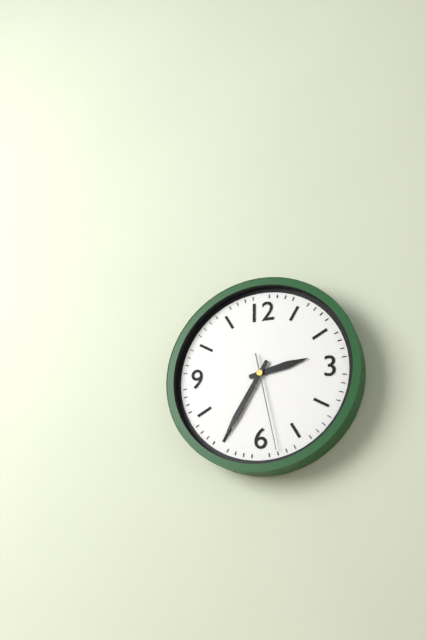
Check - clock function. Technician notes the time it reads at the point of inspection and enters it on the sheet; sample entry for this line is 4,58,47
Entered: 2,35,28
